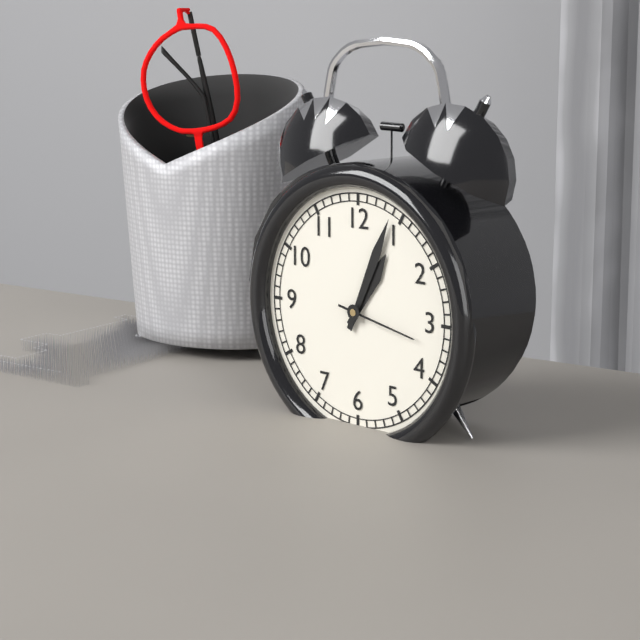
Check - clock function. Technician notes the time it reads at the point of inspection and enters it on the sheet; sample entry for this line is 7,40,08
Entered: 1,04,17
